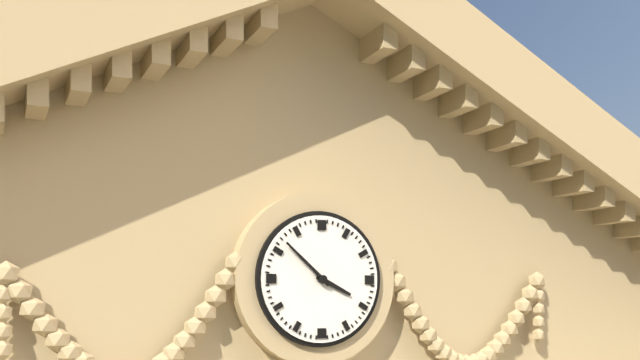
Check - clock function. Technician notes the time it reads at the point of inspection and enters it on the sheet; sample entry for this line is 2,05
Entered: 3,52
